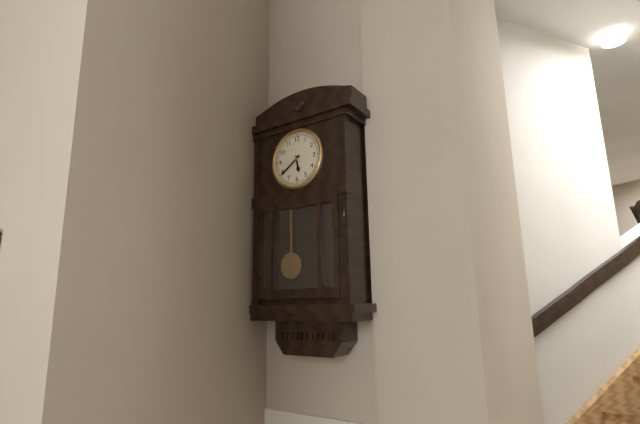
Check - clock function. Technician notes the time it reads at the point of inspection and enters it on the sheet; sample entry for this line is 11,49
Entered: 5,39
